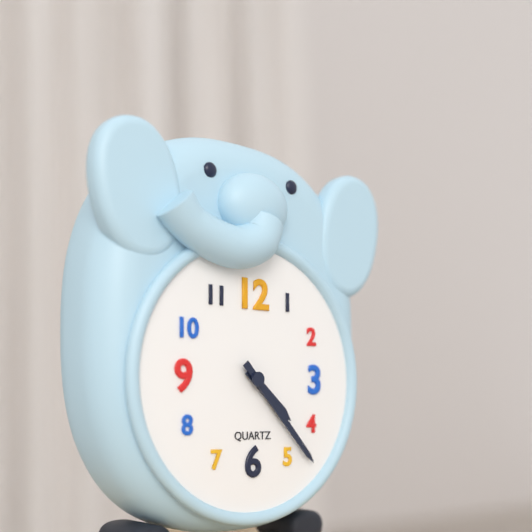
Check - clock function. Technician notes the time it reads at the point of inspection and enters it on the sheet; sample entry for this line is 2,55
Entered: 4,23
